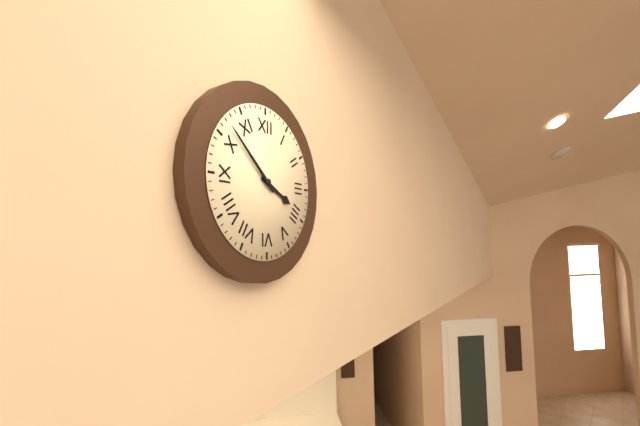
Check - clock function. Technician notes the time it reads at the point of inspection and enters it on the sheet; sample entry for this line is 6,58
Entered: 3,52
